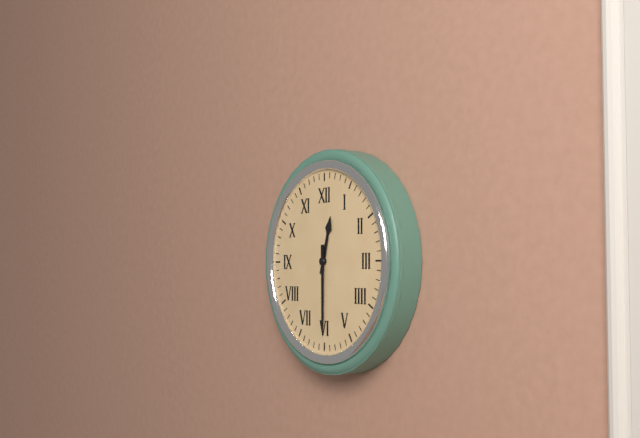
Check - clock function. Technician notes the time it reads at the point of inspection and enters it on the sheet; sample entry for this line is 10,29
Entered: 12,30
